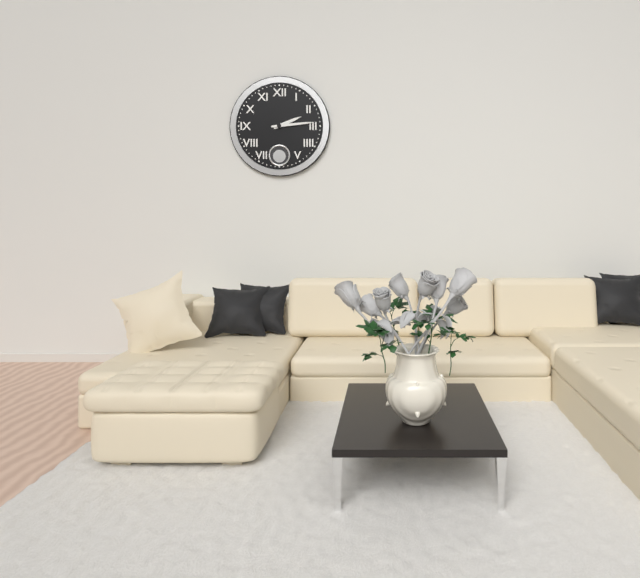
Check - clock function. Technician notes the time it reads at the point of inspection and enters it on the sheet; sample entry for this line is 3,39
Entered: 2,14
